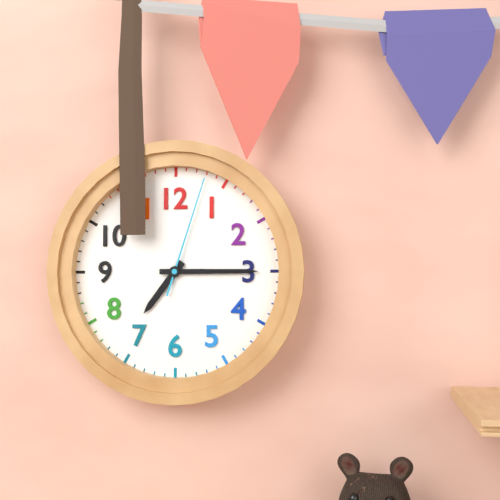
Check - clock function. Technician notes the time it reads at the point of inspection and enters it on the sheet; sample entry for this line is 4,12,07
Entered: 7,15,03
